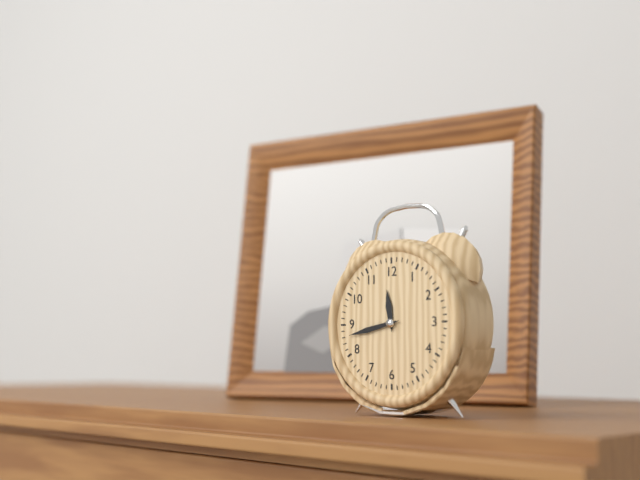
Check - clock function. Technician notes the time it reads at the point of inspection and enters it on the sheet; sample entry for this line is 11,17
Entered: 11,43
